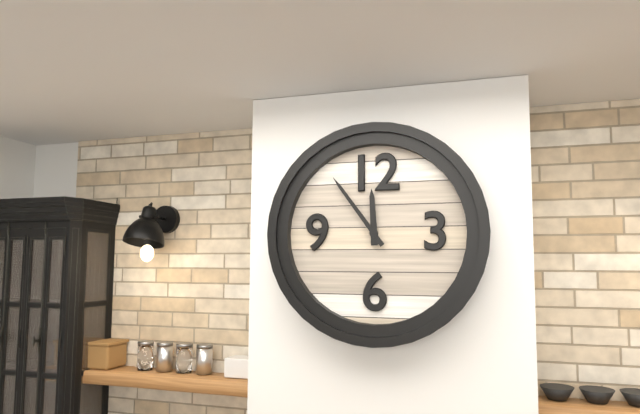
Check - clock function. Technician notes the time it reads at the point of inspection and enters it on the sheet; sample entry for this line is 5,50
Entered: 11,54
